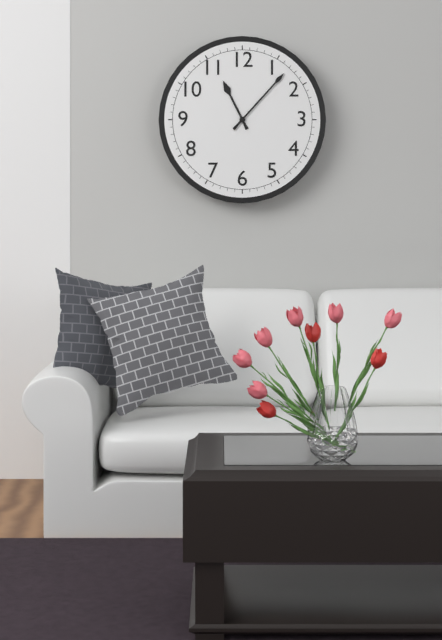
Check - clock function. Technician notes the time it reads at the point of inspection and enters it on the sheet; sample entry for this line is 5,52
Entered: 11,07
